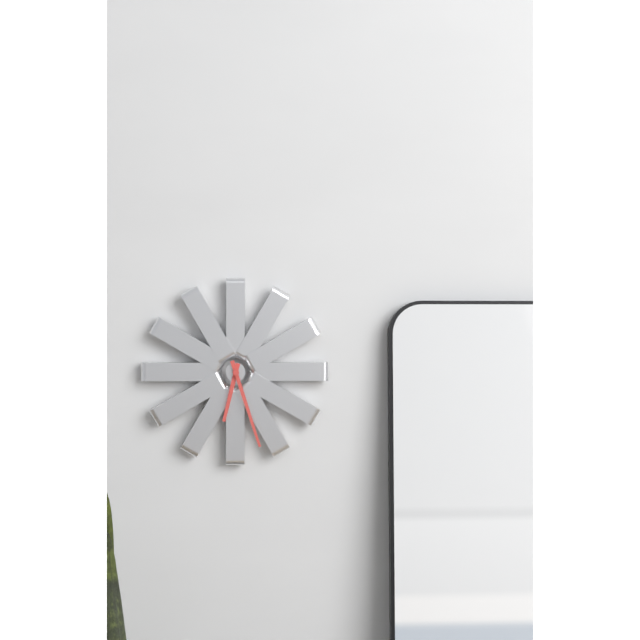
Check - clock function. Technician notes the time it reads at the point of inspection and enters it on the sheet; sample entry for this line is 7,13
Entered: 6,27
